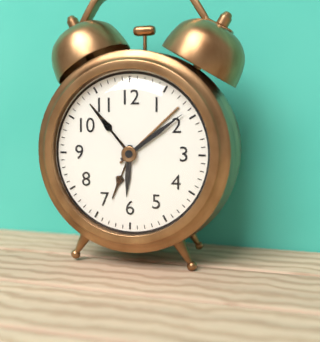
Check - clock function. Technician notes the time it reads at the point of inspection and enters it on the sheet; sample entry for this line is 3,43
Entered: 6,09
